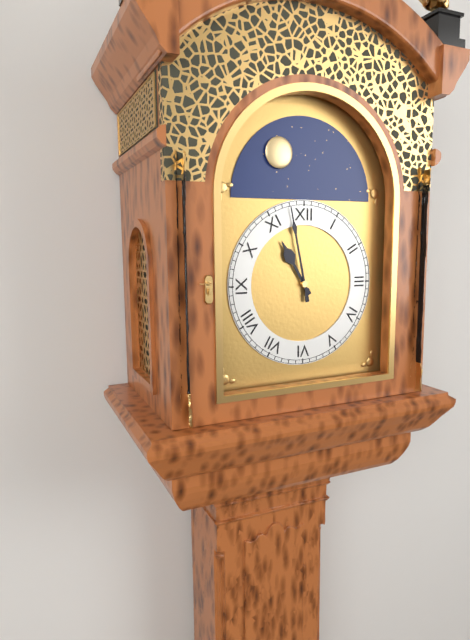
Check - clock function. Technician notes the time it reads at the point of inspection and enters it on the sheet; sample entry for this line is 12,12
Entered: 10,58
